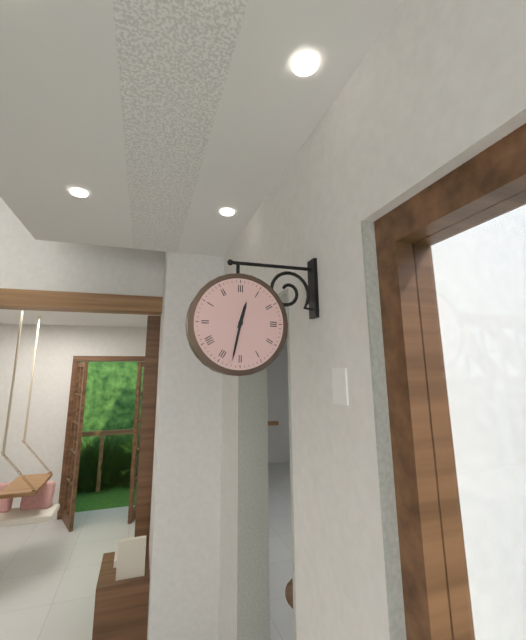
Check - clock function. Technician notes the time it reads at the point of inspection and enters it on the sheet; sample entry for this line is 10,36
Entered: 12,32
